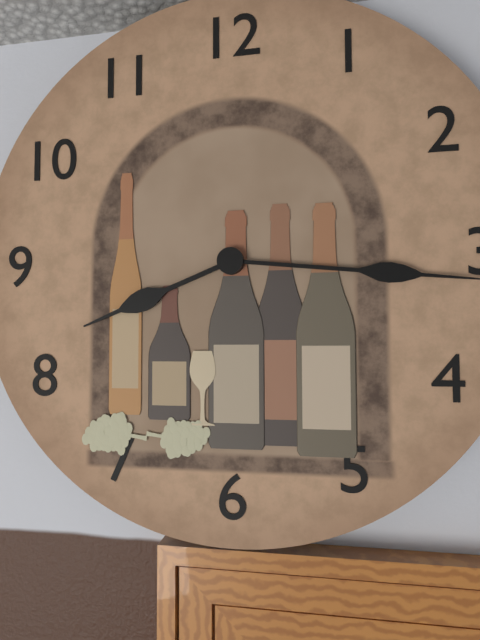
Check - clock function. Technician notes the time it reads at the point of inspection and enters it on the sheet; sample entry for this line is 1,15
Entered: 8,16
